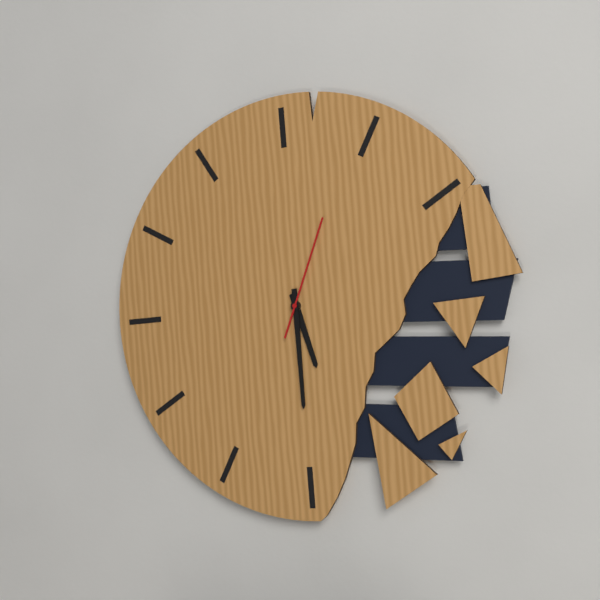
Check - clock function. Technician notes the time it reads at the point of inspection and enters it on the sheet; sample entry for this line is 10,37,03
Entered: 5,30,04
